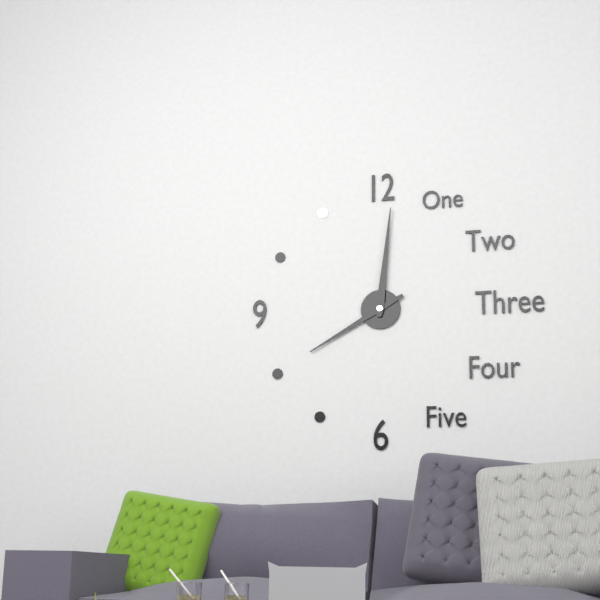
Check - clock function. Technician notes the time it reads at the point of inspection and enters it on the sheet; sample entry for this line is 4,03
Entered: 8,01
